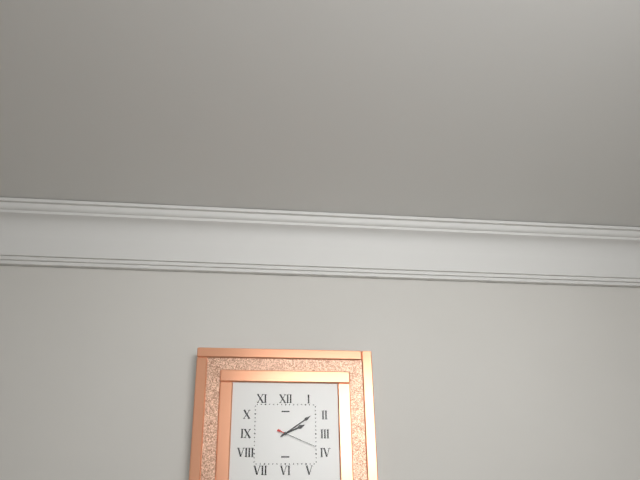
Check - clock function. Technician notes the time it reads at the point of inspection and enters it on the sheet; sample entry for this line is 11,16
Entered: 2,09
